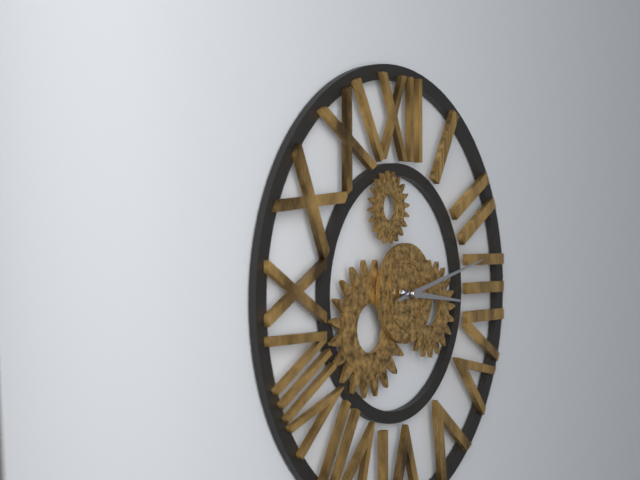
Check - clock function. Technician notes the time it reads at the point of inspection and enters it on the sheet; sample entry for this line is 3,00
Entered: 3,13
